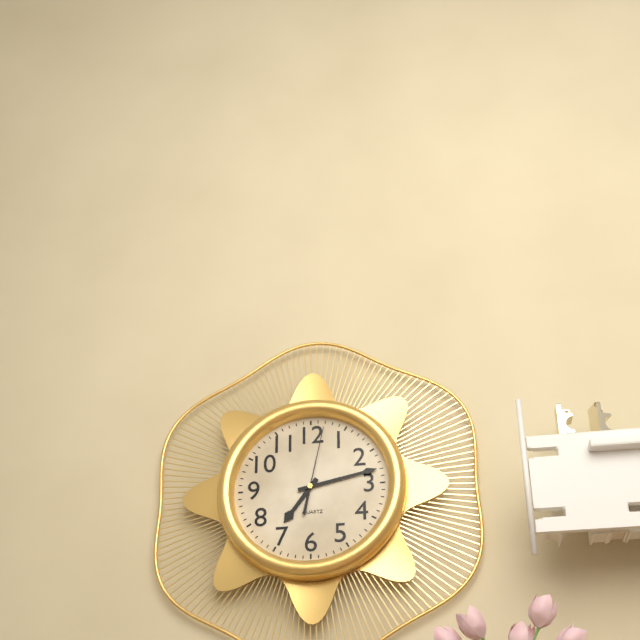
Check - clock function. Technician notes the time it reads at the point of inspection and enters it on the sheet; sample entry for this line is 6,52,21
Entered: 7,13,02
